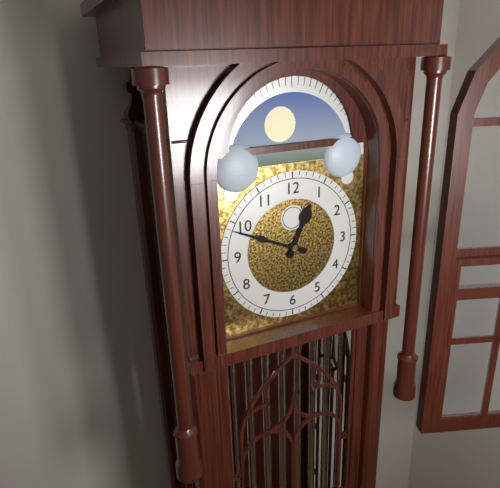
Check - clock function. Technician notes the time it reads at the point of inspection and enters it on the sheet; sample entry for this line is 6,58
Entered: 12,49
